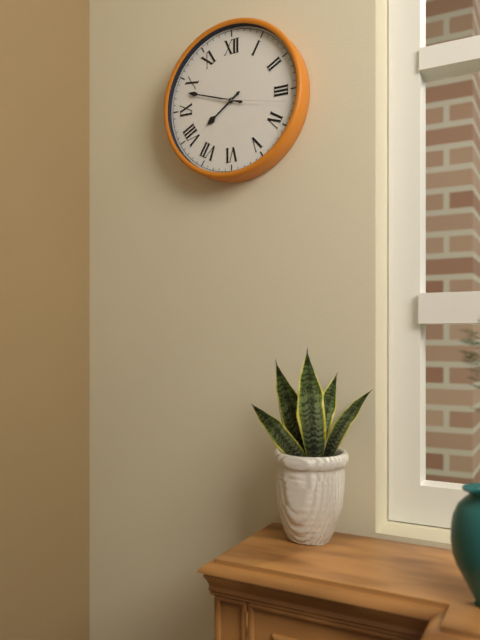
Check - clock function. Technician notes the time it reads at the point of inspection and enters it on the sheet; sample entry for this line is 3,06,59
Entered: 7,48,17
